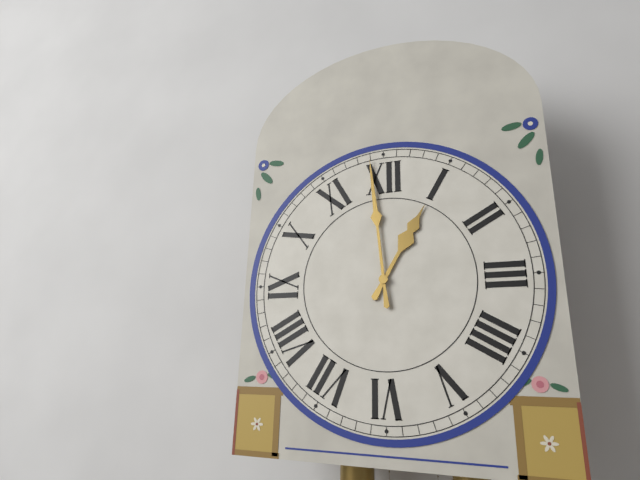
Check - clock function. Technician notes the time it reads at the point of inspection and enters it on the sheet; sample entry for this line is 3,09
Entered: 12,59
